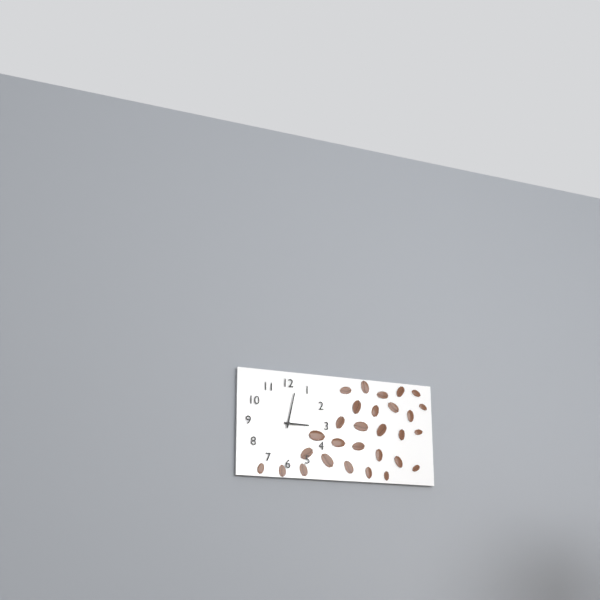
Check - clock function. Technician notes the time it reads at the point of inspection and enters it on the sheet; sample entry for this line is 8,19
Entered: 3,02
